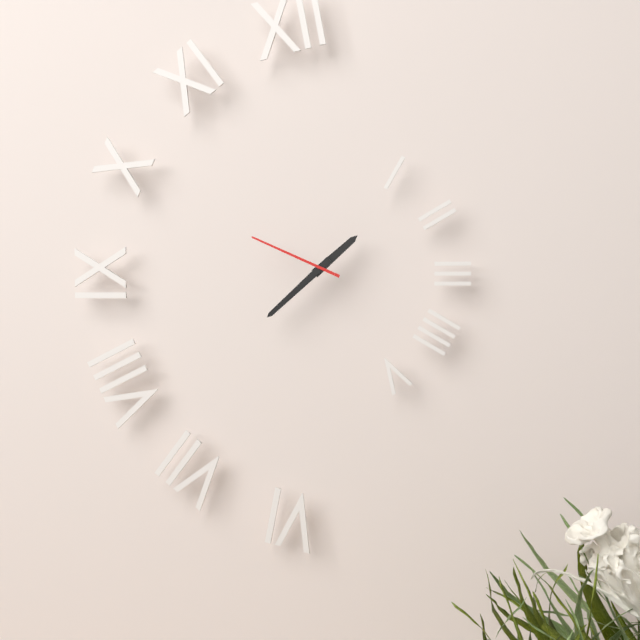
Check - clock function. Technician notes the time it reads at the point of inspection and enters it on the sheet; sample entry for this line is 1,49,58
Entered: 1,38,49
